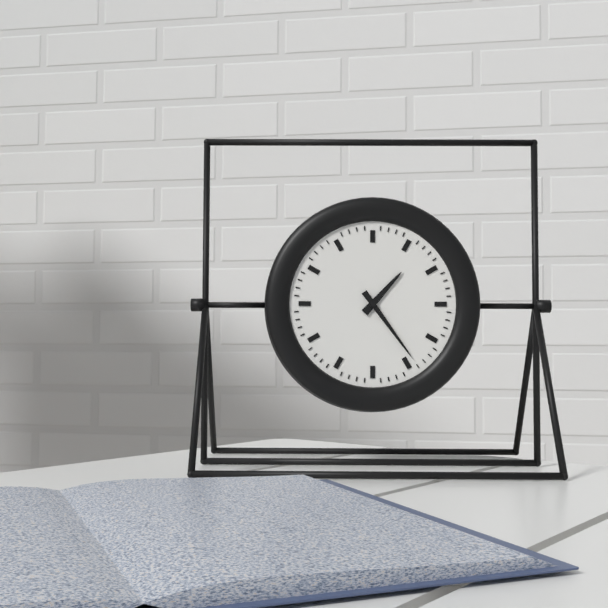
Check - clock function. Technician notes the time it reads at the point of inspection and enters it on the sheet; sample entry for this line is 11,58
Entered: 1,24
